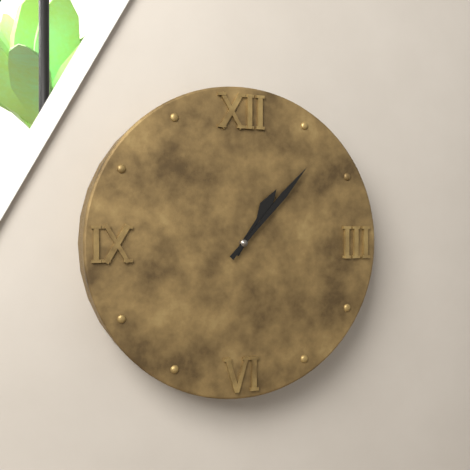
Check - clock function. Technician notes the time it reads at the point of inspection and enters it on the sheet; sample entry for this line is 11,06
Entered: 1,07
